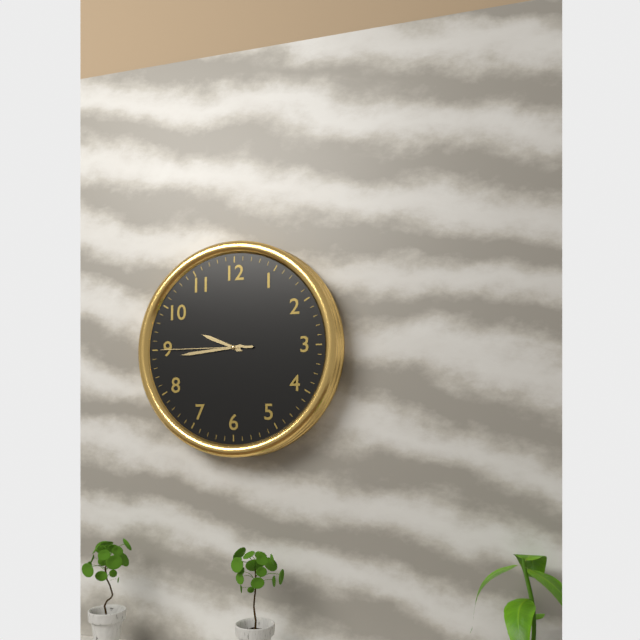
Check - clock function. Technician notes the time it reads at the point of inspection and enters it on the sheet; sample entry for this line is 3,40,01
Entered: 9,44,45
